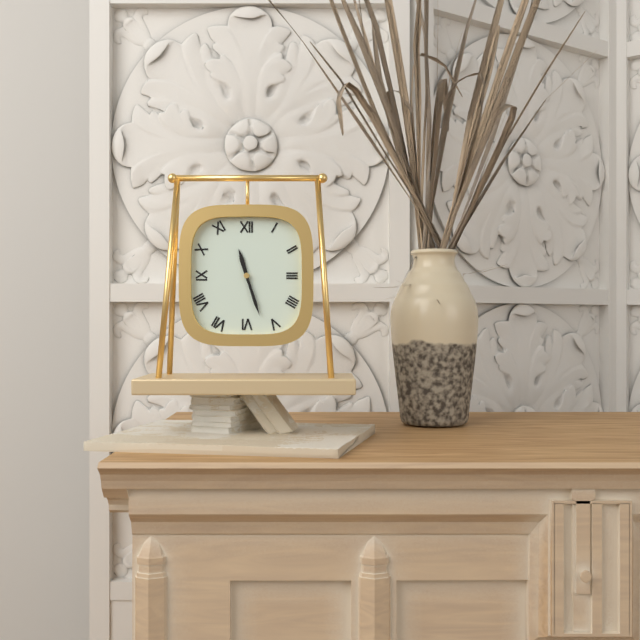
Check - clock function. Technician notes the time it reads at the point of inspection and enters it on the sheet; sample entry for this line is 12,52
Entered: 11,27
